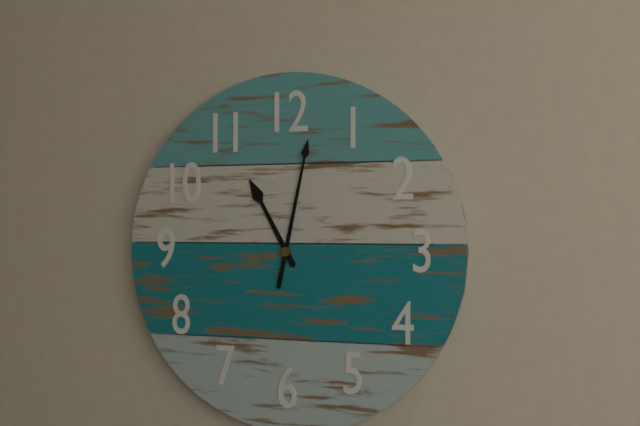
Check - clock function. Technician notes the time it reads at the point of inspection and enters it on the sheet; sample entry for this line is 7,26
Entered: 11,02
